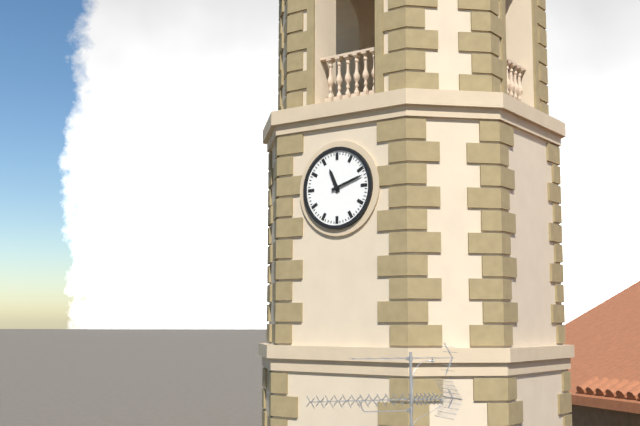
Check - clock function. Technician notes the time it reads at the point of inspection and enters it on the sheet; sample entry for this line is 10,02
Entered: 11,12
